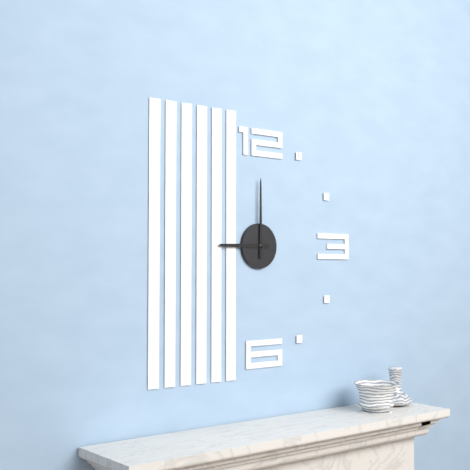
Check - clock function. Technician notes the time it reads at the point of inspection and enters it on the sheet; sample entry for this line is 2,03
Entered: 9,00
